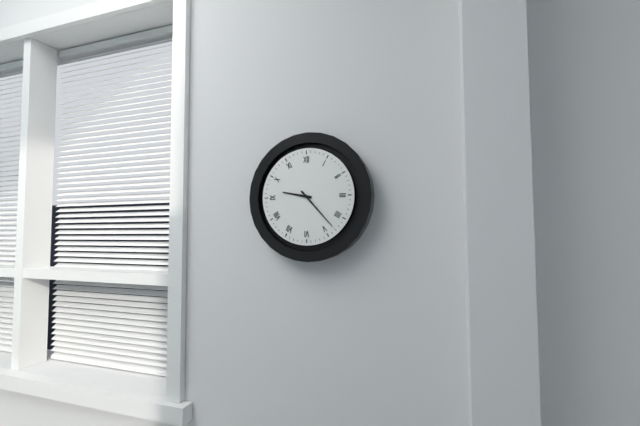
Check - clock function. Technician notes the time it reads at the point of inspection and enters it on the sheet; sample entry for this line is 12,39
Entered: 9,23
